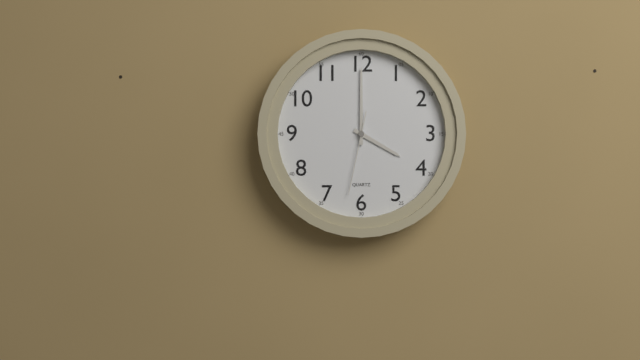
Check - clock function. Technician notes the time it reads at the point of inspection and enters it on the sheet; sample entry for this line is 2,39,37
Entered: 4,00,32
